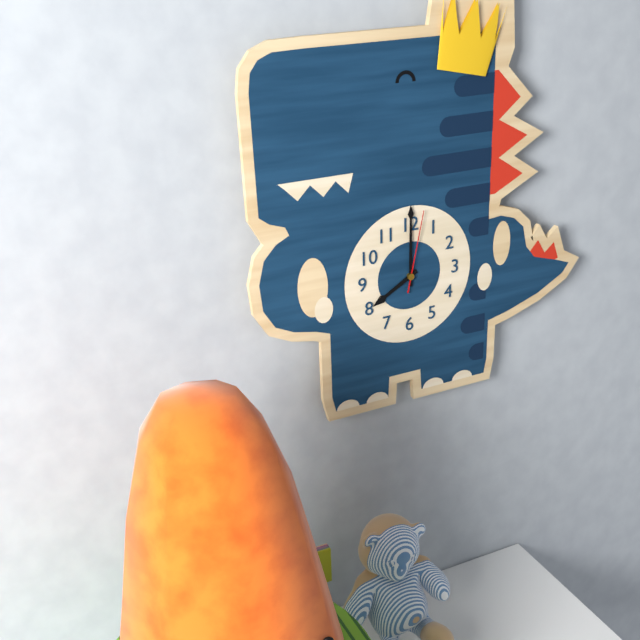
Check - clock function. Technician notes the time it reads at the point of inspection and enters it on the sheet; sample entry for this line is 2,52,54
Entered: 8,00,02
